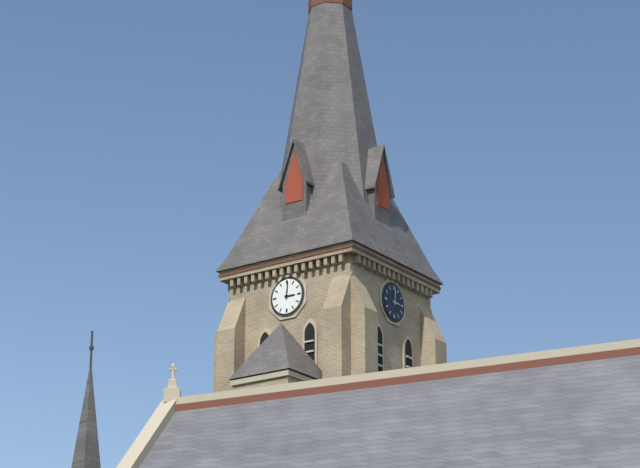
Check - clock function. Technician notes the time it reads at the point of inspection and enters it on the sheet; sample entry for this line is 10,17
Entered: 3,01
